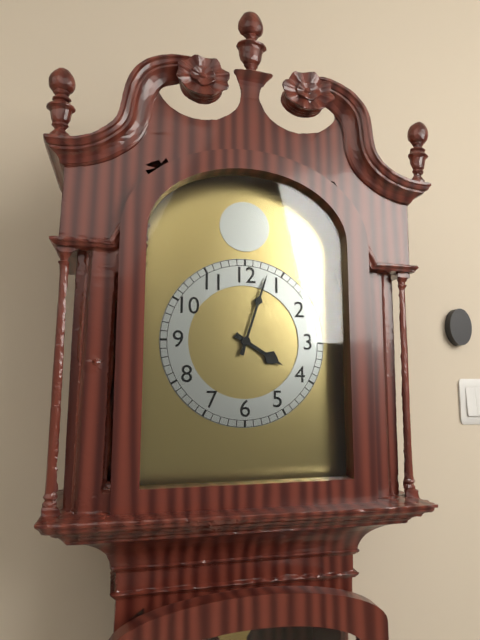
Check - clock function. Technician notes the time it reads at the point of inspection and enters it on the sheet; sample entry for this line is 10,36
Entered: 4,03
